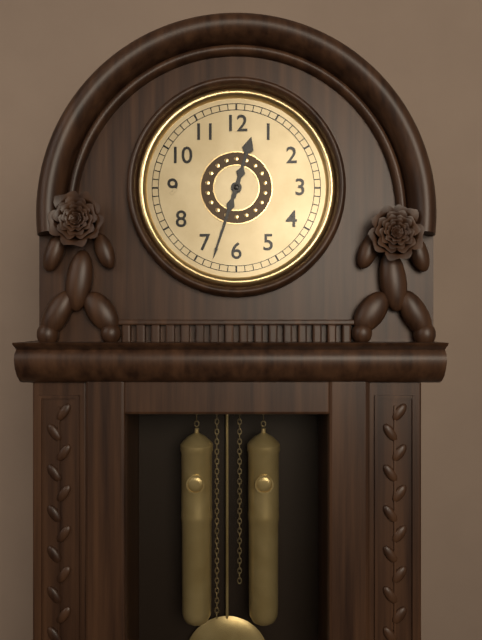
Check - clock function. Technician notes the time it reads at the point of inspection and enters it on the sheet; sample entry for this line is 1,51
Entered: 12,33
